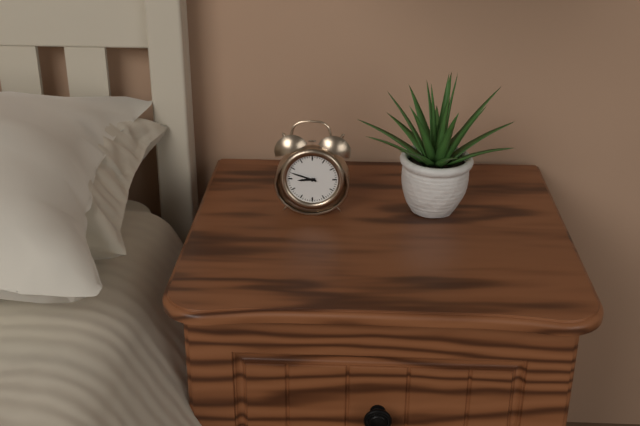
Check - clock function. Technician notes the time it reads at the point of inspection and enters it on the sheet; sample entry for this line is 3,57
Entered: 8,48
